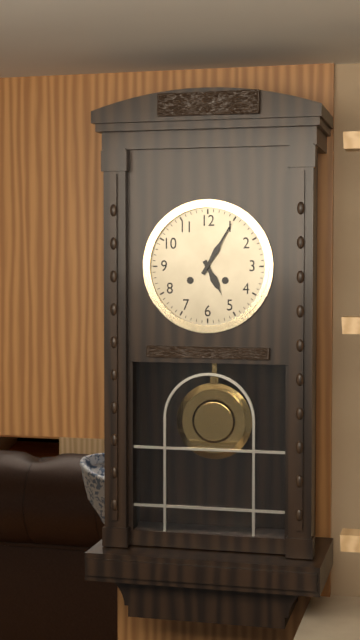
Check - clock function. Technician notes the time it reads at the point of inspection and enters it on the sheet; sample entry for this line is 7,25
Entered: 5,05
